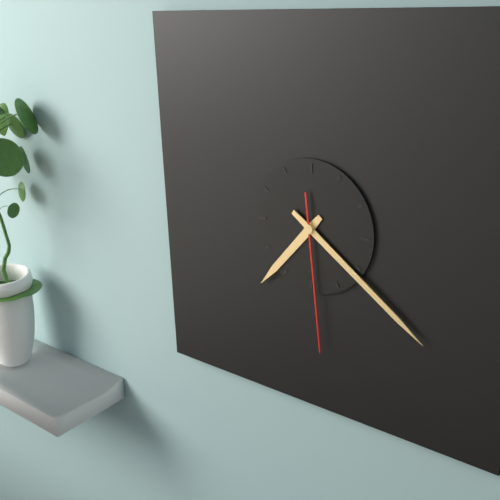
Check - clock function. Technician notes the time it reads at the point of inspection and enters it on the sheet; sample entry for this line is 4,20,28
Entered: 7,21,29
